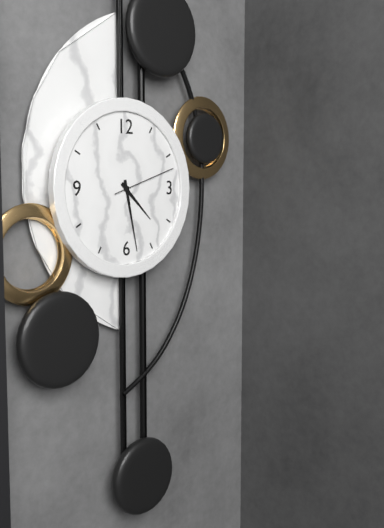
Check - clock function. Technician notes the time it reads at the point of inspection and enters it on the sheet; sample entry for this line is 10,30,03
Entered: 4,28,12
